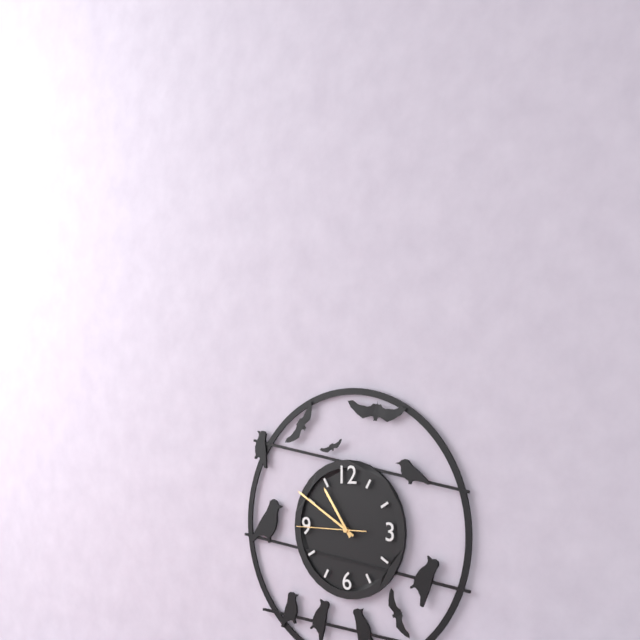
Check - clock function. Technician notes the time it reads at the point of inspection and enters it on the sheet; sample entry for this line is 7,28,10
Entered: 10,50,45
